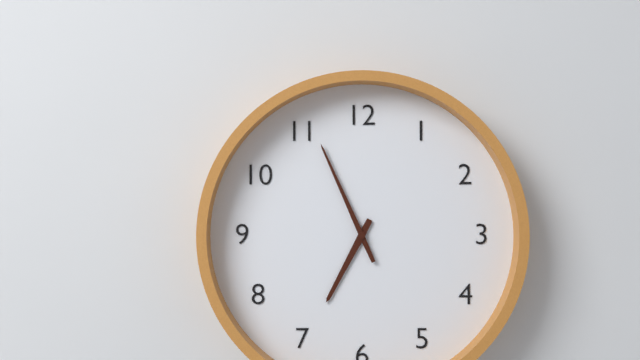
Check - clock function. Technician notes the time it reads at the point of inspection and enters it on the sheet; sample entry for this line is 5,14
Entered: 6,56
